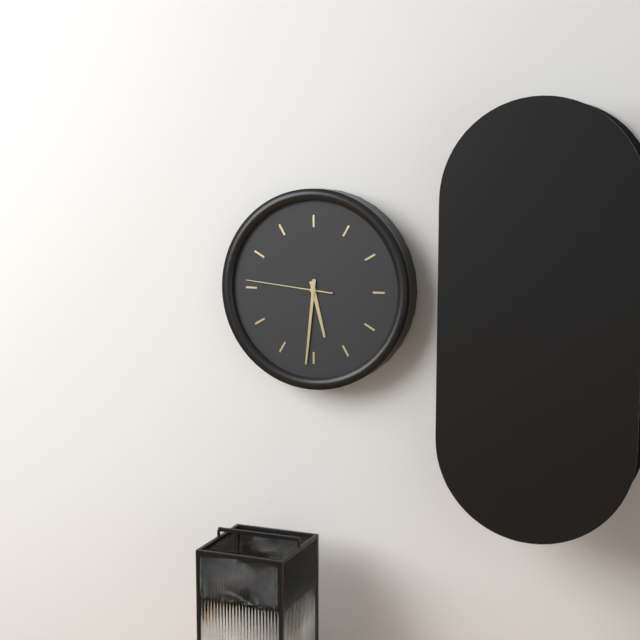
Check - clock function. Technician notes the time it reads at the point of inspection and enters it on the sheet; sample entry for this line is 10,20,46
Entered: 5,31,46
